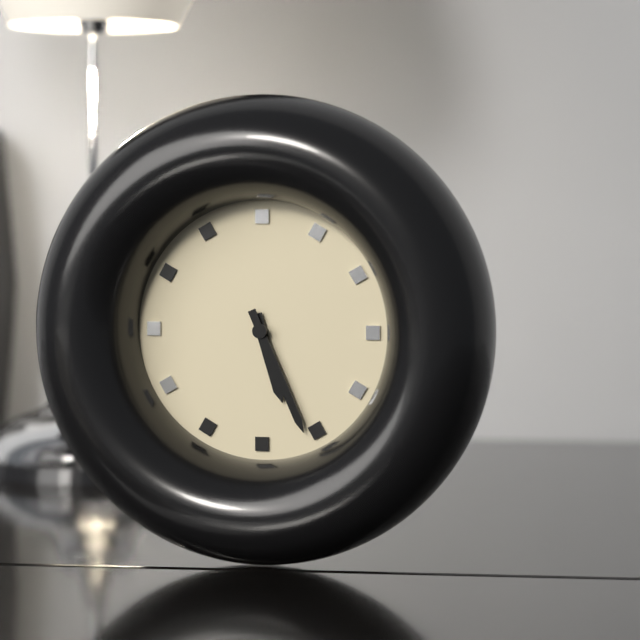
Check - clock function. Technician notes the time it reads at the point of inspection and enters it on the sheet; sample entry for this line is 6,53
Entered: 5,26
